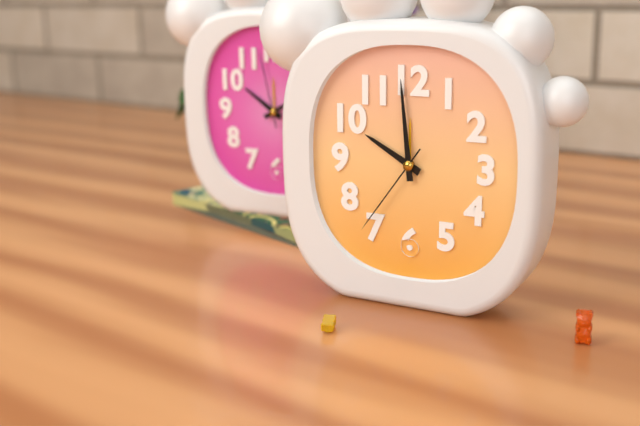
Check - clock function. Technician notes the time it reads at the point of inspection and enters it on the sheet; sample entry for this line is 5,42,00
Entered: 9,59,36
